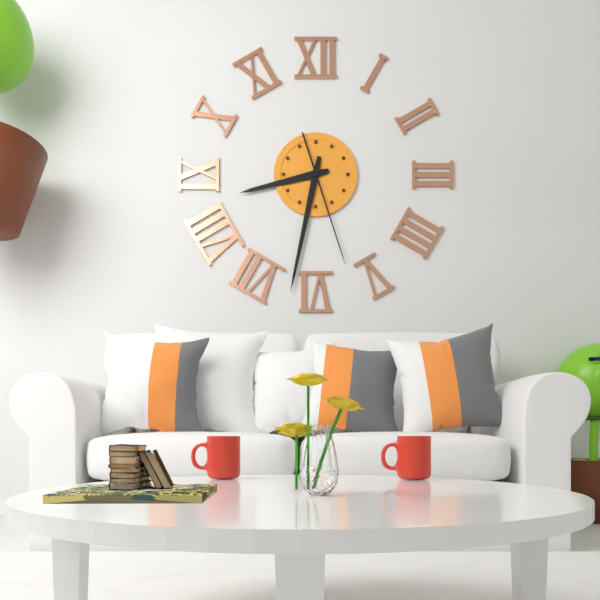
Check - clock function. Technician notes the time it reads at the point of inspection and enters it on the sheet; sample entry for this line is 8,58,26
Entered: 8,32,27
